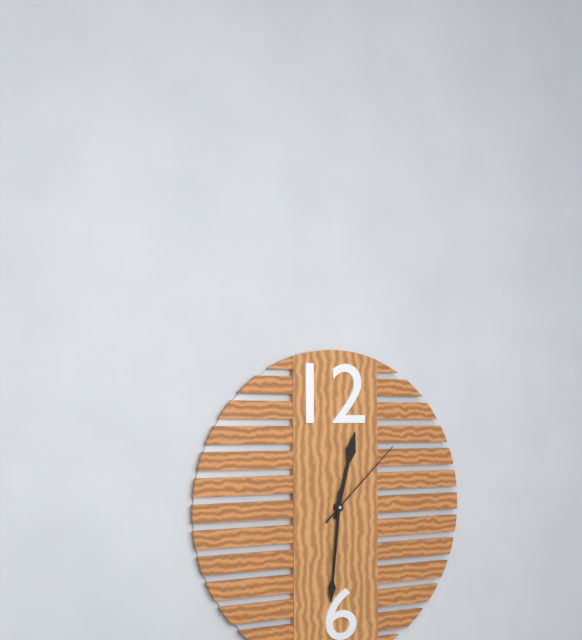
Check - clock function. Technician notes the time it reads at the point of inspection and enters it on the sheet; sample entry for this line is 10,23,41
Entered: 12,31,08
